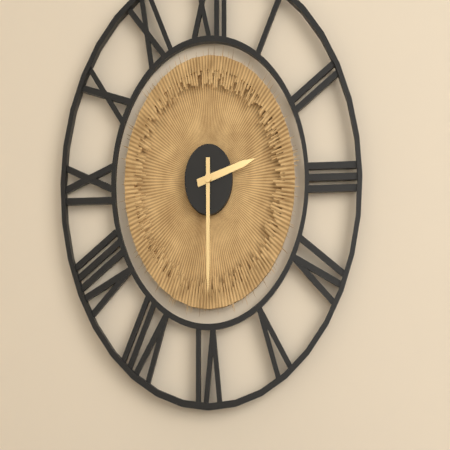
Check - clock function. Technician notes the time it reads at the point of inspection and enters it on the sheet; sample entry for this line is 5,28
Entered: 2,30
